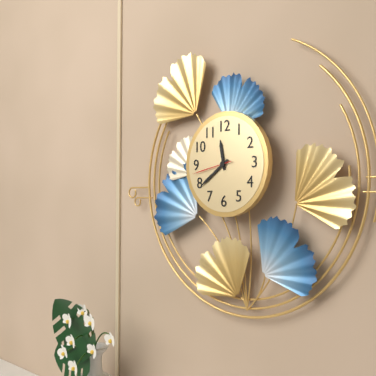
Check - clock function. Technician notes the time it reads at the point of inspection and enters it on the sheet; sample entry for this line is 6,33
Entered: 11,39
